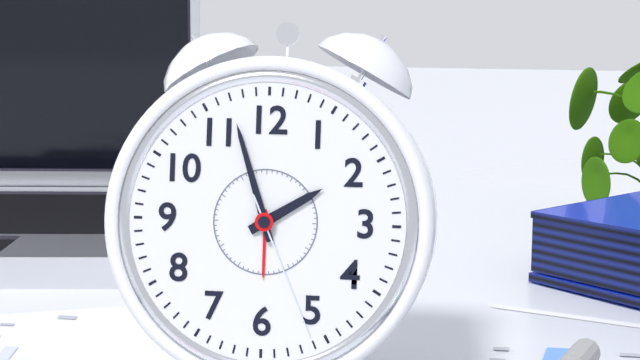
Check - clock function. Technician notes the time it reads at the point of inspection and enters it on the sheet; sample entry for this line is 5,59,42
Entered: 1,57,26
